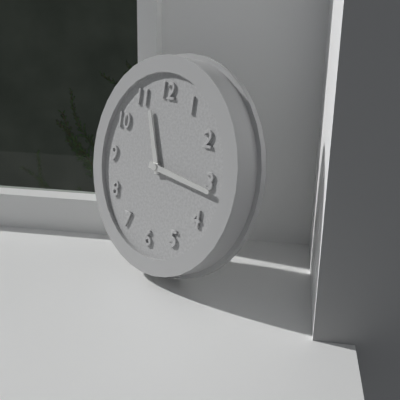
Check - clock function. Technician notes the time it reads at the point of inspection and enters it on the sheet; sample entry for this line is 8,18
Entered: 11,16
